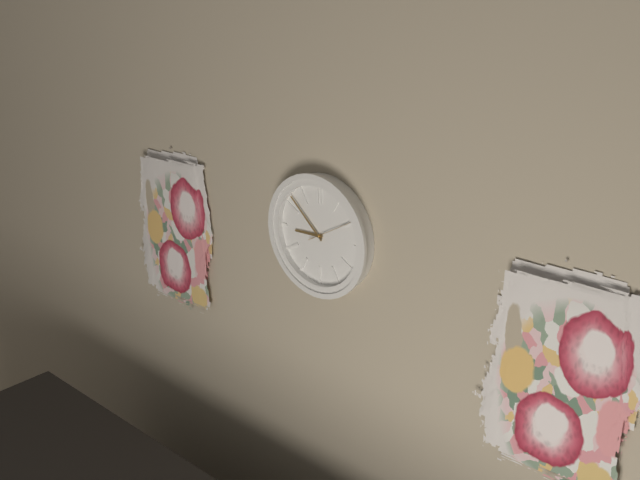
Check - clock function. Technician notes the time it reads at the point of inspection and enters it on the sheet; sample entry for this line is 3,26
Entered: 8,52
